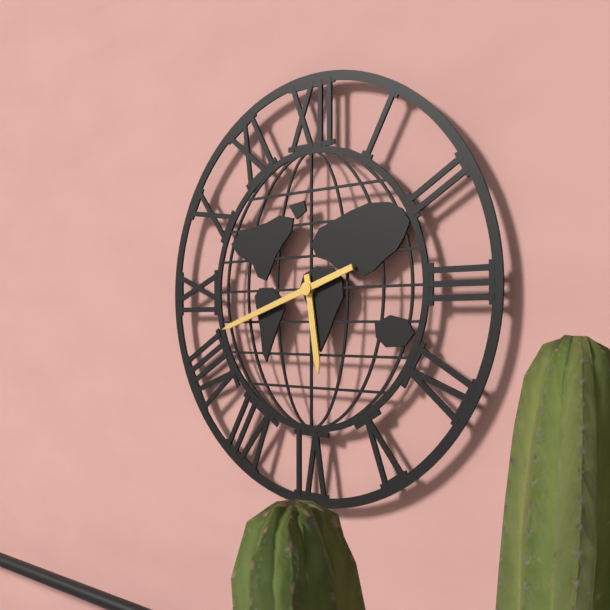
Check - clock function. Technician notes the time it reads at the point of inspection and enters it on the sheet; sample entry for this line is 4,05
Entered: 5,42
